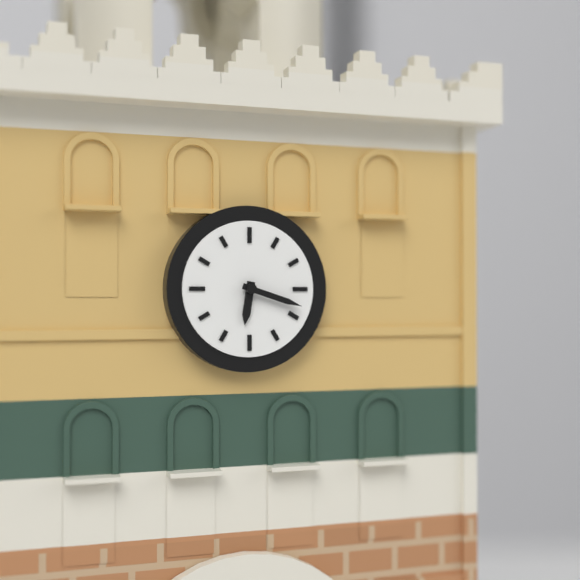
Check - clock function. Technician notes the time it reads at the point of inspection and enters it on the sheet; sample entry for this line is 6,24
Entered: 6,18
